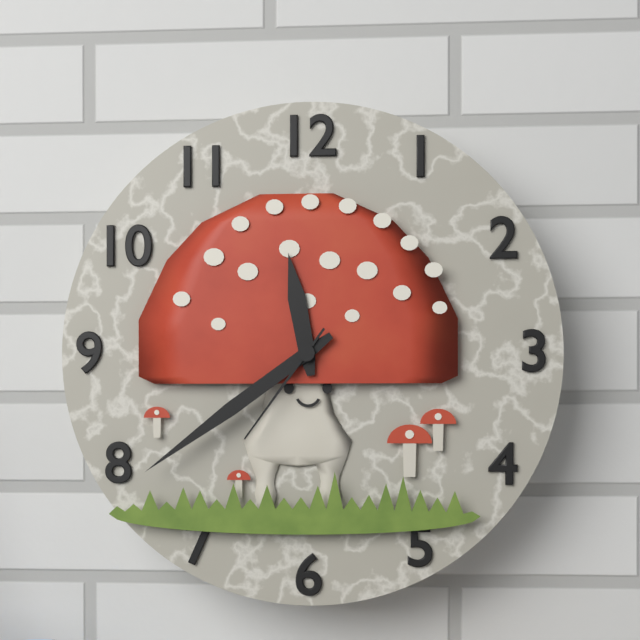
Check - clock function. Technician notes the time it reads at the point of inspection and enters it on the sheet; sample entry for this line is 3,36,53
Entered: 11,39,36
